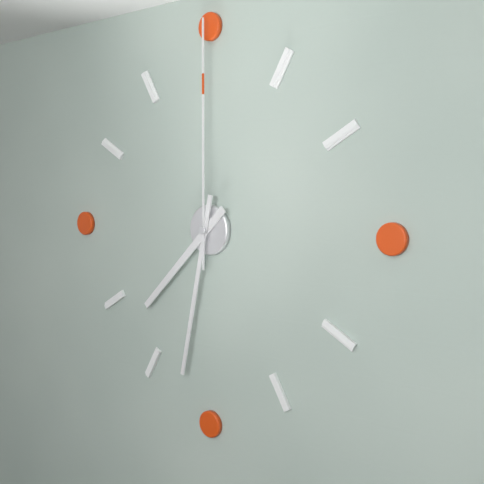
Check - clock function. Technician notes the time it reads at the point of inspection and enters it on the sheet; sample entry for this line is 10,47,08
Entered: 7,32,00
